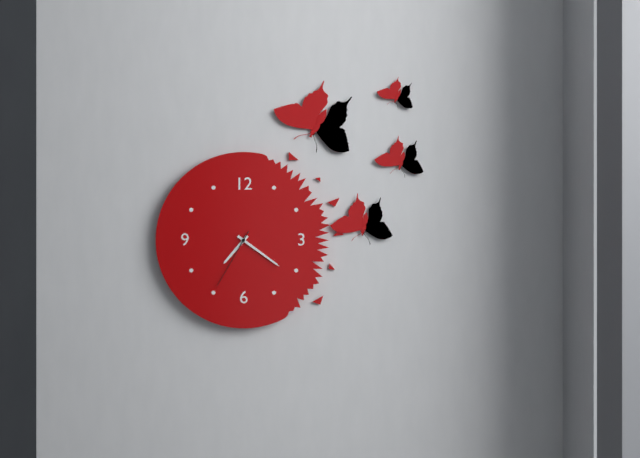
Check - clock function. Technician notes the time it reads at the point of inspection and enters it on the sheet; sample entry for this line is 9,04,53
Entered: 7,21,35
